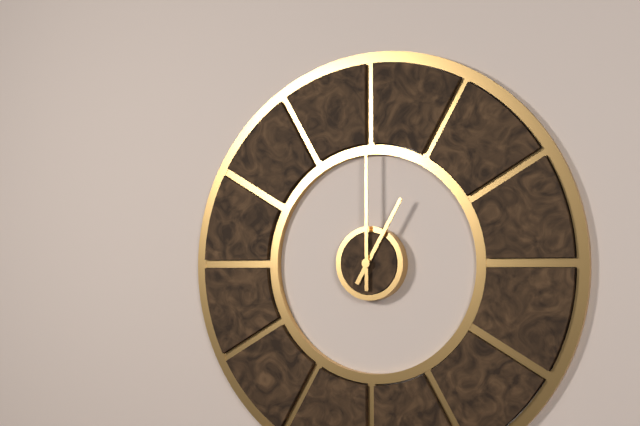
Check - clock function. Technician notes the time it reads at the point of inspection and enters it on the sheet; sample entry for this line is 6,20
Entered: 1,00
